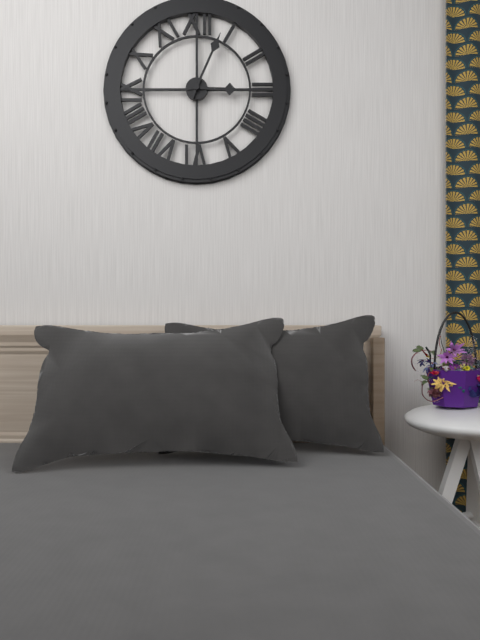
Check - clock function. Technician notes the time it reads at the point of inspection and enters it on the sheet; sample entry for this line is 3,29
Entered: 3,04
